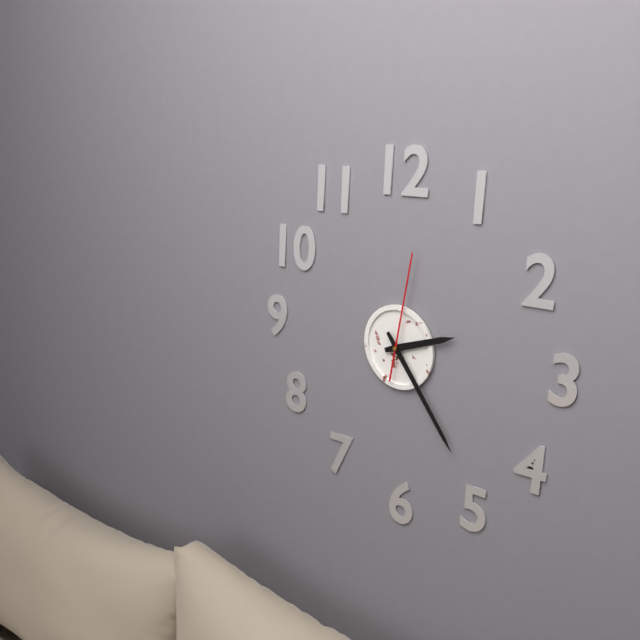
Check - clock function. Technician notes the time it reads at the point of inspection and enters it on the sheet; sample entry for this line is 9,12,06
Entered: 2,24,02
